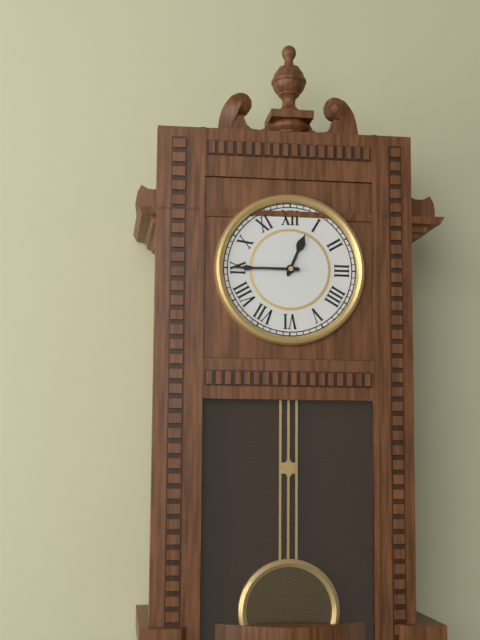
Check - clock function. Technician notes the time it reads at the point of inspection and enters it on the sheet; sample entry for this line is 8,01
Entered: 12,45
